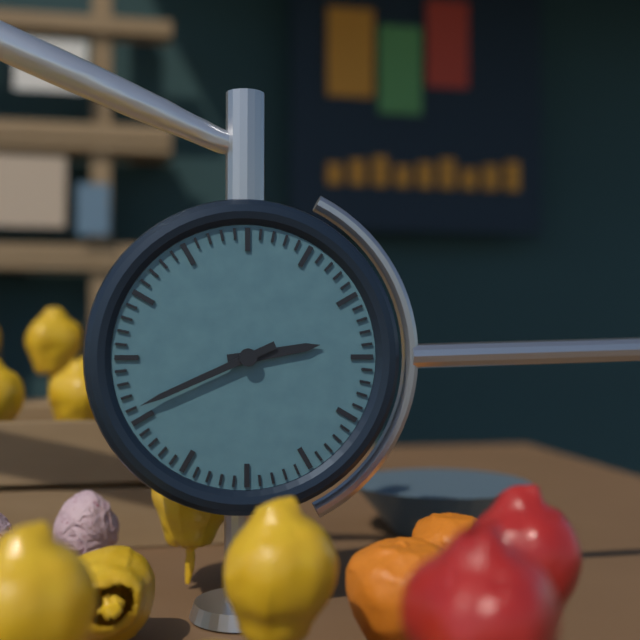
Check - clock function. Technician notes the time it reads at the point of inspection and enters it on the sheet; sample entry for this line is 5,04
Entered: 2,41
